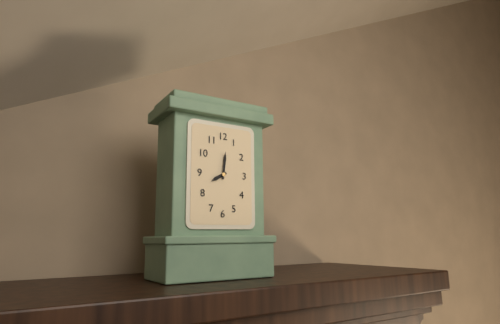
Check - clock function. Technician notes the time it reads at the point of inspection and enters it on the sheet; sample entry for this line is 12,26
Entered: 8,01
